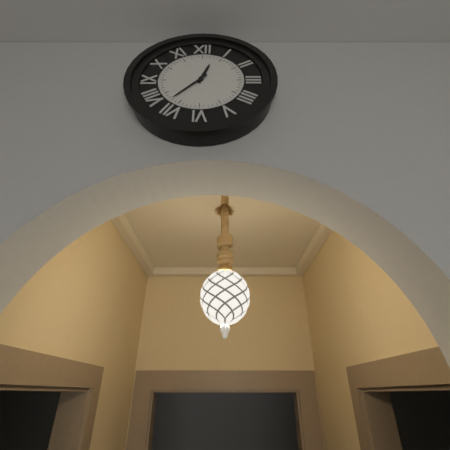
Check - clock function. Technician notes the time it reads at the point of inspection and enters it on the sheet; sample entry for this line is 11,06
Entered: 12,37
